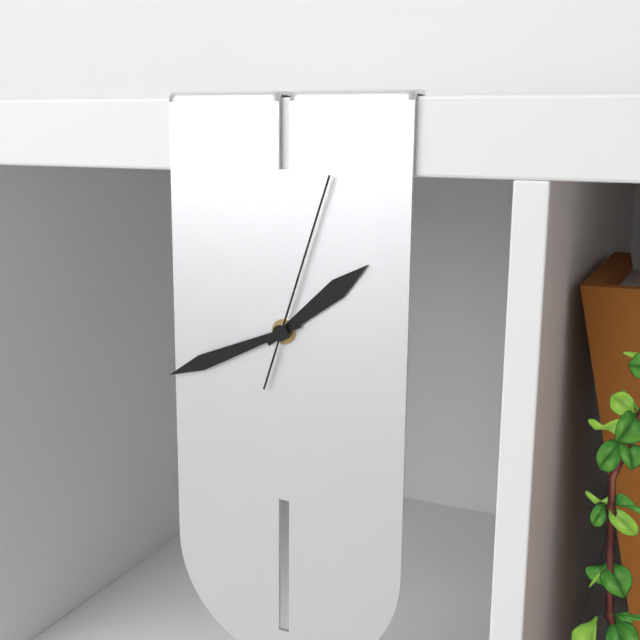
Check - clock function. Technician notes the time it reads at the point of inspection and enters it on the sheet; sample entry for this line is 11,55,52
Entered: 1,41,03
